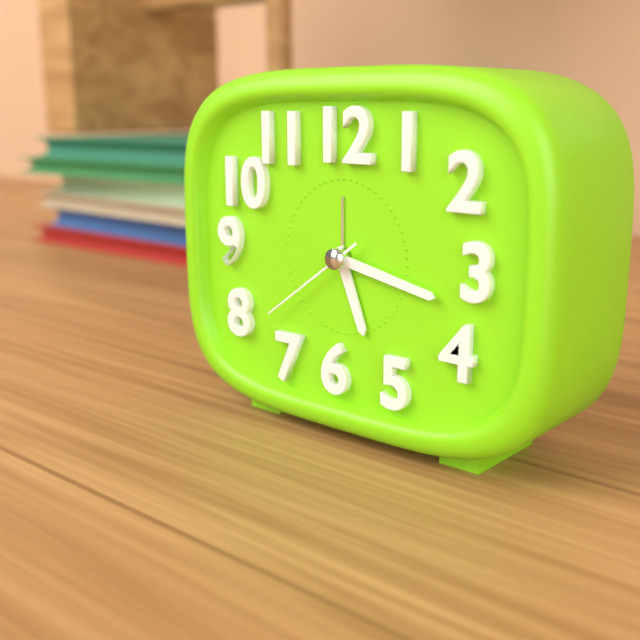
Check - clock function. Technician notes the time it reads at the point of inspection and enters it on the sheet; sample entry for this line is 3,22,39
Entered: 5,17,39
